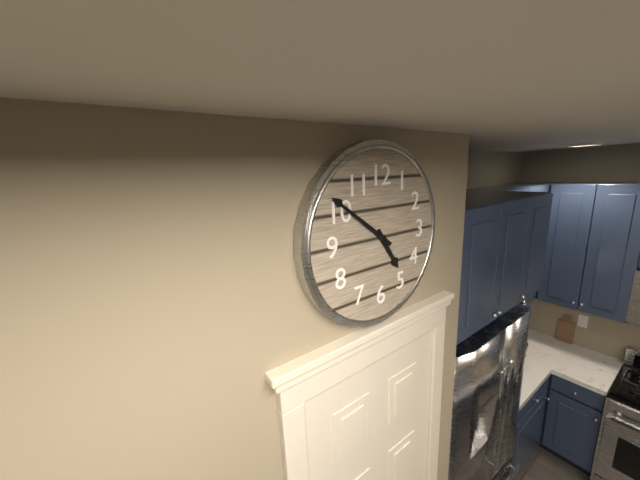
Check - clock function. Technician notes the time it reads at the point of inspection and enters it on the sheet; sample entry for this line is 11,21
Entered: 4,51
